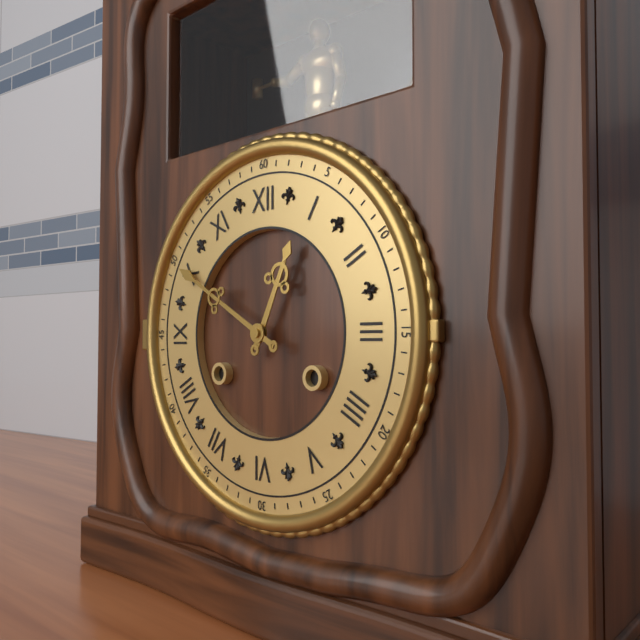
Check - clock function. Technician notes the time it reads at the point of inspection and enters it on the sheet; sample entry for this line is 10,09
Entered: 12,50
